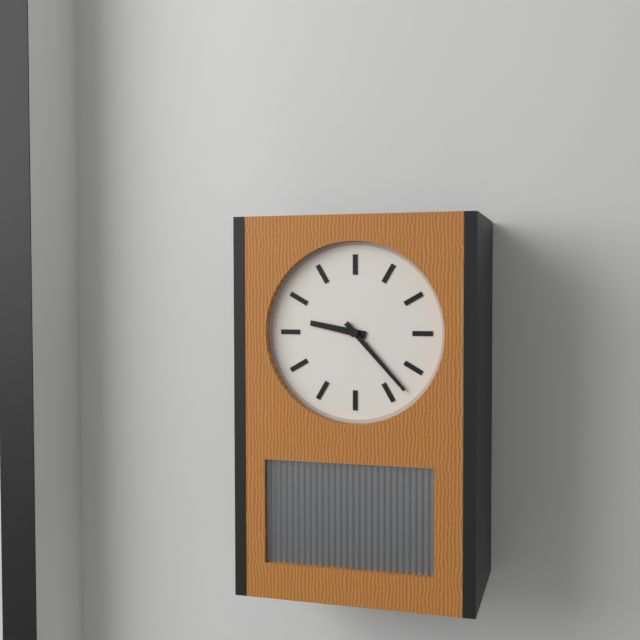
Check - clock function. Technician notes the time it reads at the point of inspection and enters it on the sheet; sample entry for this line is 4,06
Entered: 9,23
